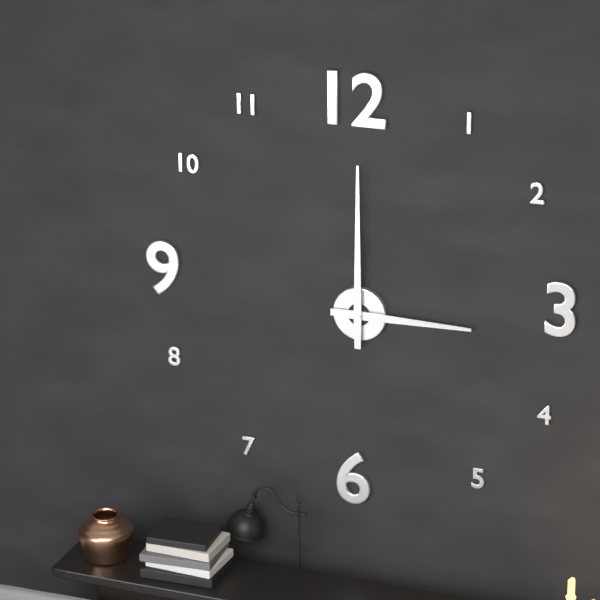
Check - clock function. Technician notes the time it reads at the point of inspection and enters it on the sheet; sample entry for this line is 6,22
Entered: 3,00
